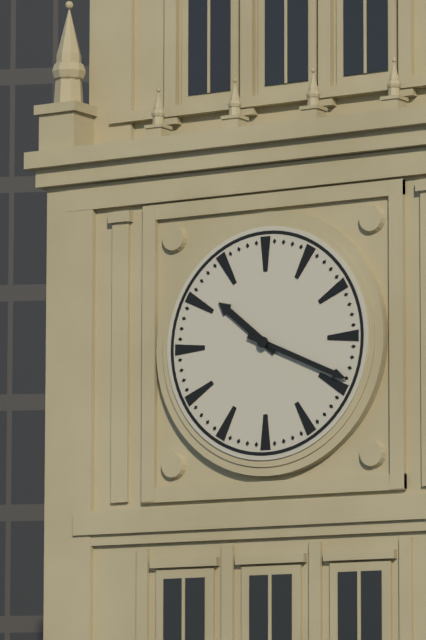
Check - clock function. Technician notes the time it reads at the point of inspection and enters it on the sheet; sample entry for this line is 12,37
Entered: 10,19
